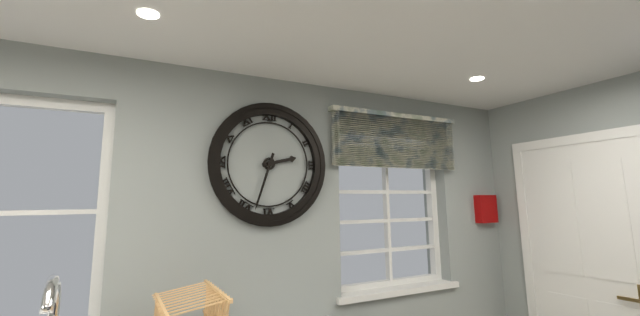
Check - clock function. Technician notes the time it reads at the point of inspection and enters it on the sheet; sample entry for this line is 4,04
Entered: 2,33
